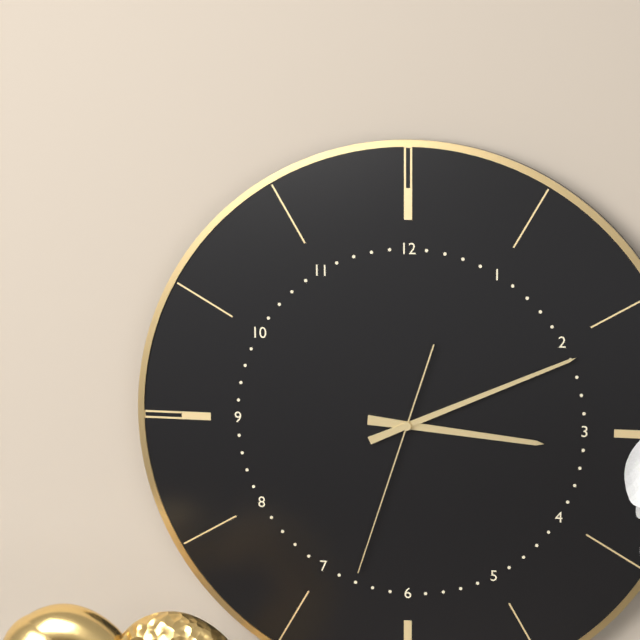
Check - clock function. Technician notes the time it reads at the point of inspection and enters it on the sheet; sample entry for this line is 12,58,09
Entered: 3,11,33
